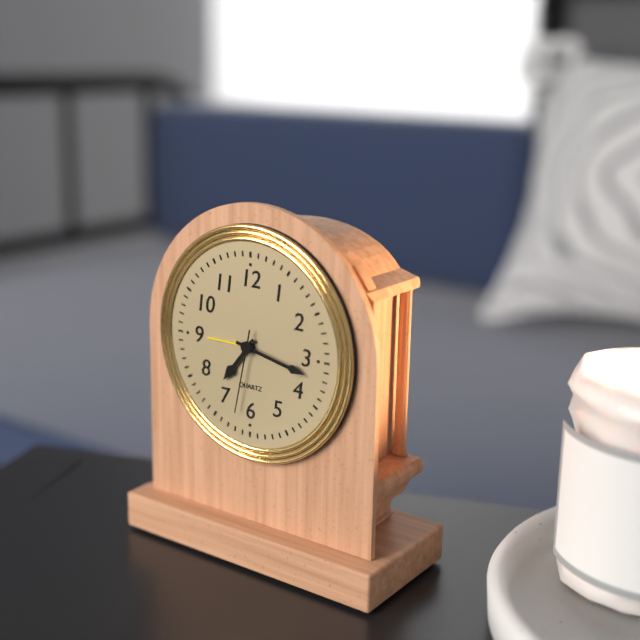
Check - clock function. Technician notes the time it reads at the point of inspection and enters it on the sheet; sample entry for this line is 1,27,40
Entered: 7,17,32
